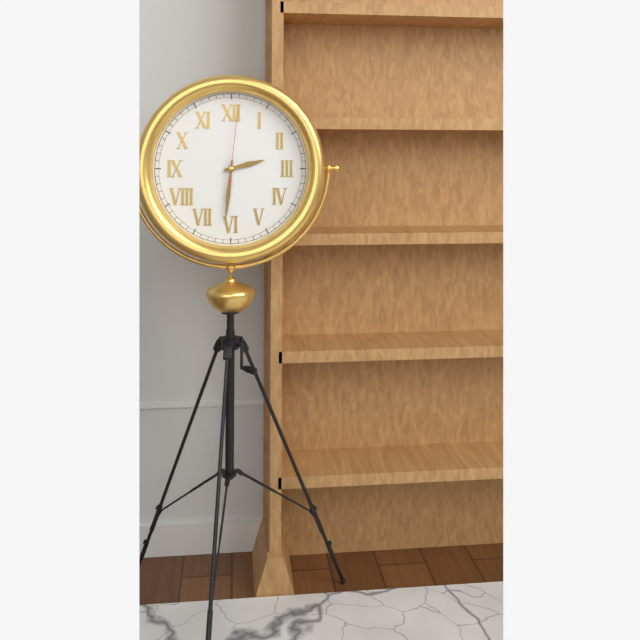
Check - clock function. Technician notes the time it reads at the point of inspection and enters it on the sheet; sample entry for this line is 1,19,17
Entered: 2,31,01
